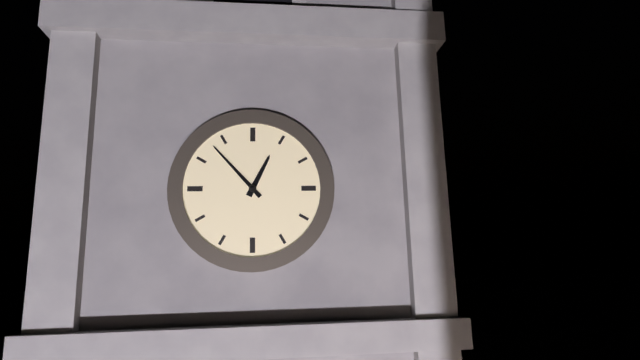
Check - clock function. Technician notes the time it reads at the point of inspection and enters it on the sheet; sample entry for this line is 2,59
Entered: 12,53
